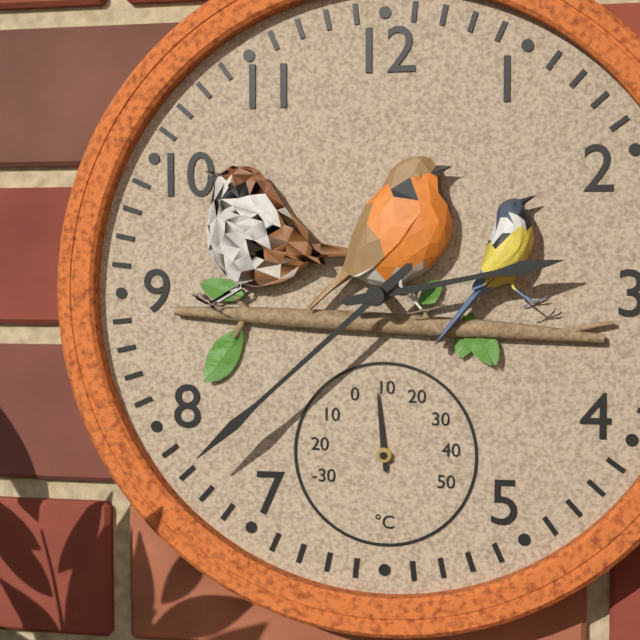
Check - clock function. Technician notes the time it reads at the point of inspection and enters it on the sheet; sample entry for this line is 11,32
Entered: 2,38
